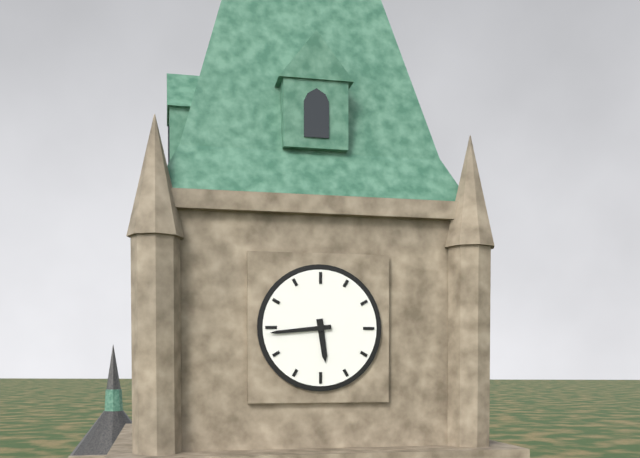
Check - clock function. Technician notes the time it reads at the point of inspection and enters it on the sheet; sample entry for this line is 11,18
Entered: 5,44
